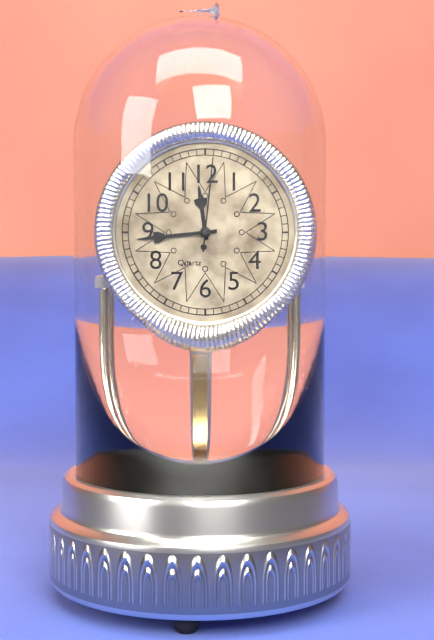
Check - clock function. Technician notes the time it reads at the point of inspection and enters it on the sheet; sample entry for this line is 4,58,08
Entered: 11,44,01
